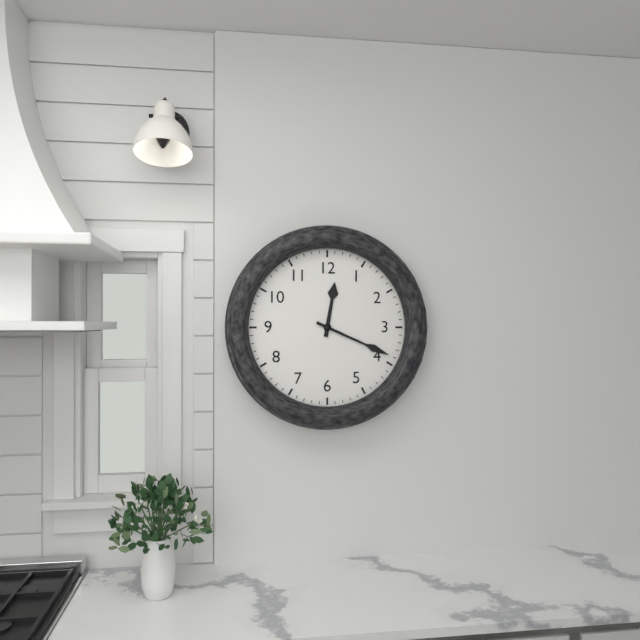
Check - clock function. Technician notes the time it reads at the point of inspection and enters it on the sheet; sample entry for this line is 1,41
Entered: 12,19
